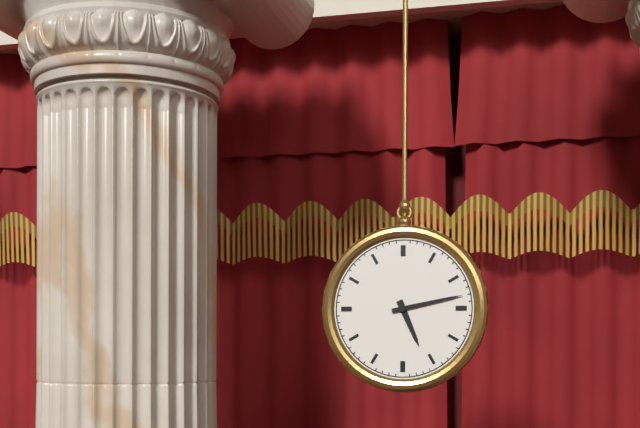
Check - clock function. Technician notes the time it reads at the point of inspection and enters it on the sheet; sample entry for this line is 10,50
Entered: 5,13
